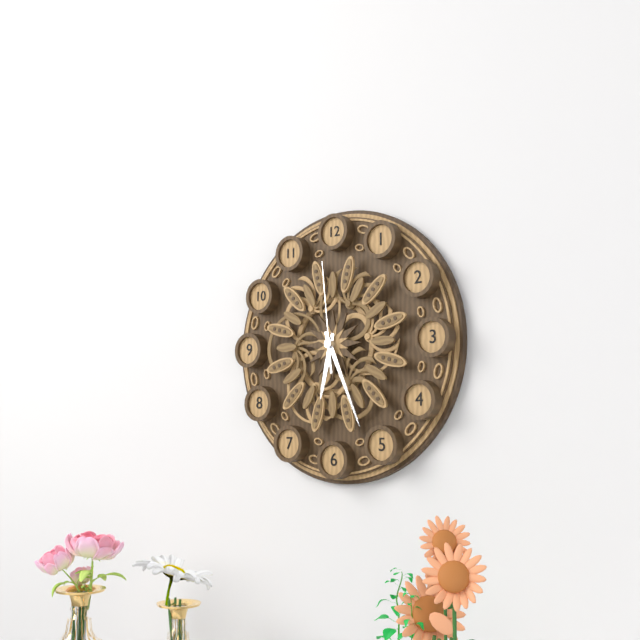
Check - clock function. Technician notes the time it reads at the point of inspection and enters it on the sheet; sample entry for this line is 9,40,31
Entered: 6,26,59
